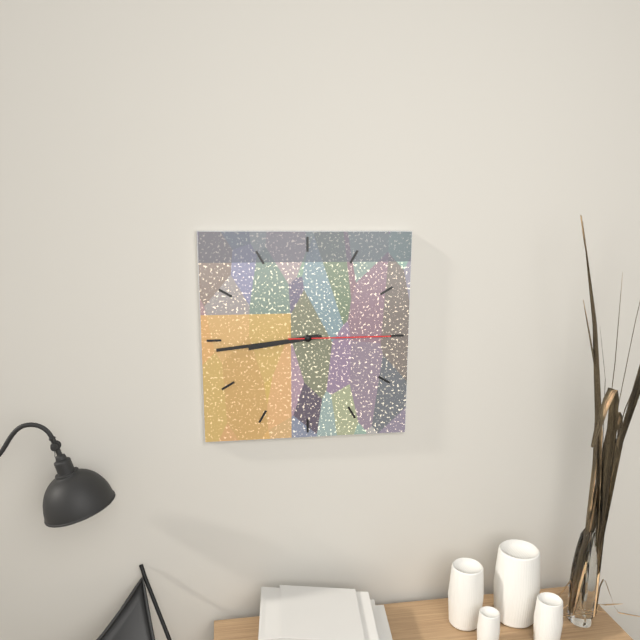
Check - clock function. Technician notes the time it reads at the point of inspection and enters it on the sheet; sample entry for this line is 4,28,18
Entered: 8,44,15
